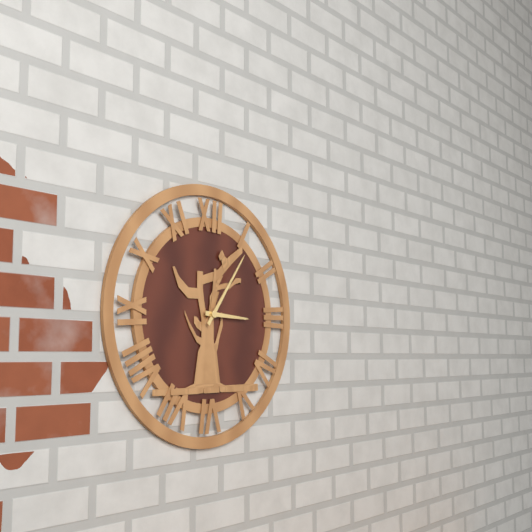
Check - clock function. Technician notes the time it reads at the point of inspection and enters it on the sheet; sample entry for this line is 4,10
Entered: 3,06
